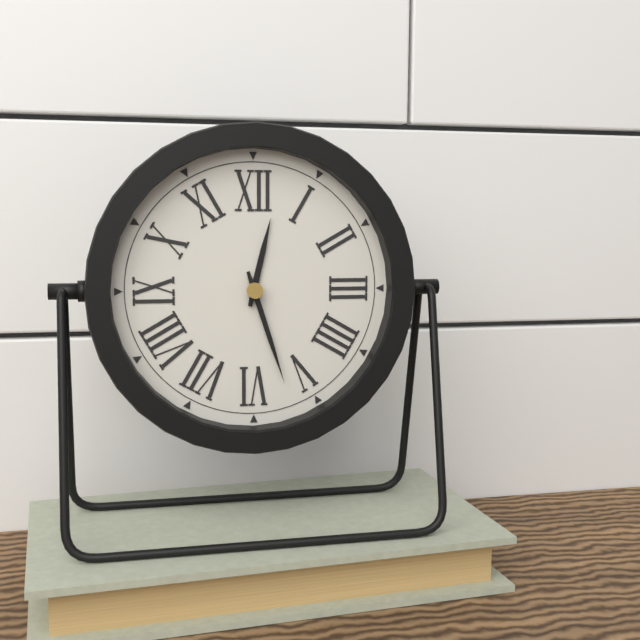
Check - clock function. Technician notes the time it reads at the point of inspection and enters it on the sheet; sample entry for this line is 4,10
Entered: 12,27
